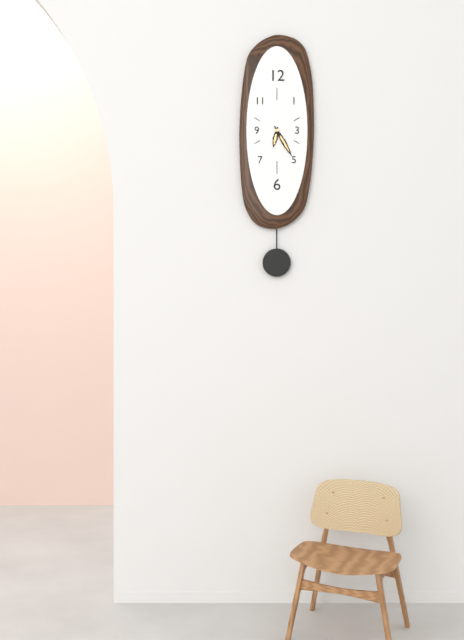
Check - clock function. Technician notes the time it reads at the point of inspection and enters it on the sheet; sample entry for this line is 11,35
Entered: 6,25
